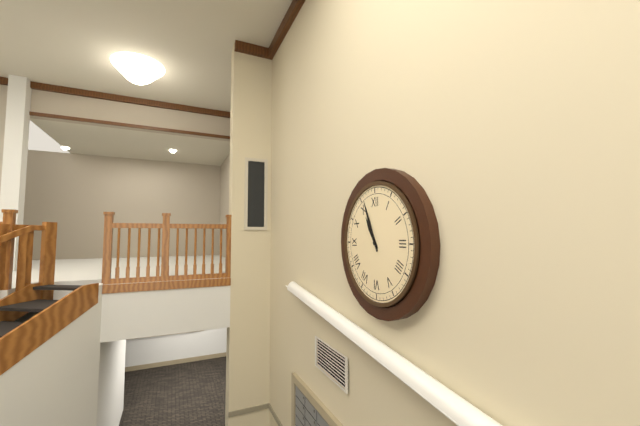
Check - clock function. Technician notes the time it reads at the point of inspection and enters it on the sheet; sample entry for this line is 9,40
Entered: 10,56
